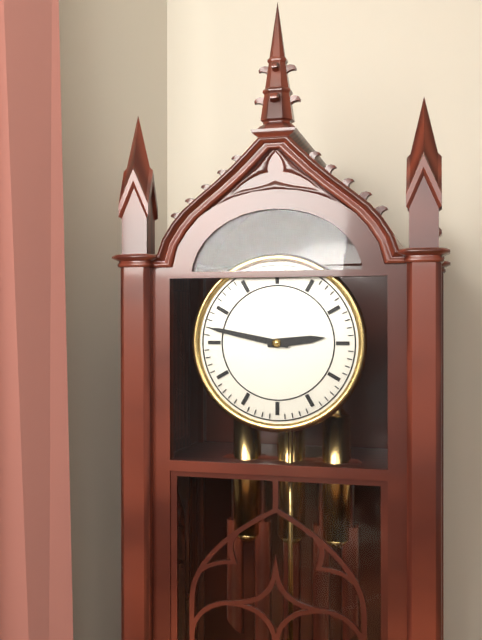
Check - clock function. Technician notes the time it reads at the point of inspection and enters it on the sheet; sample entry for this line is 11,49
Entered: 2,47
